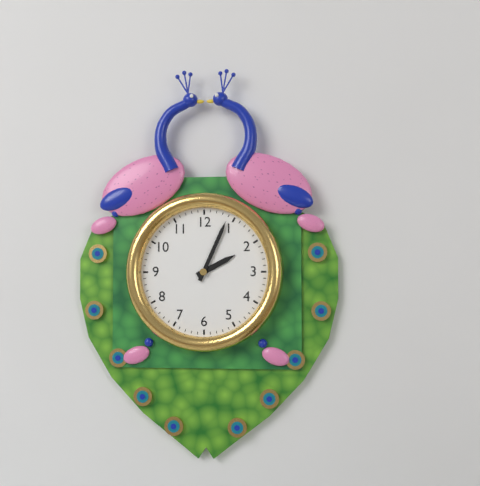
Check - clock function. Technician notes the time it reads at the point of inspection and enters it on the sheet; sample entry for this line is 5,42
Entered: 2,04
